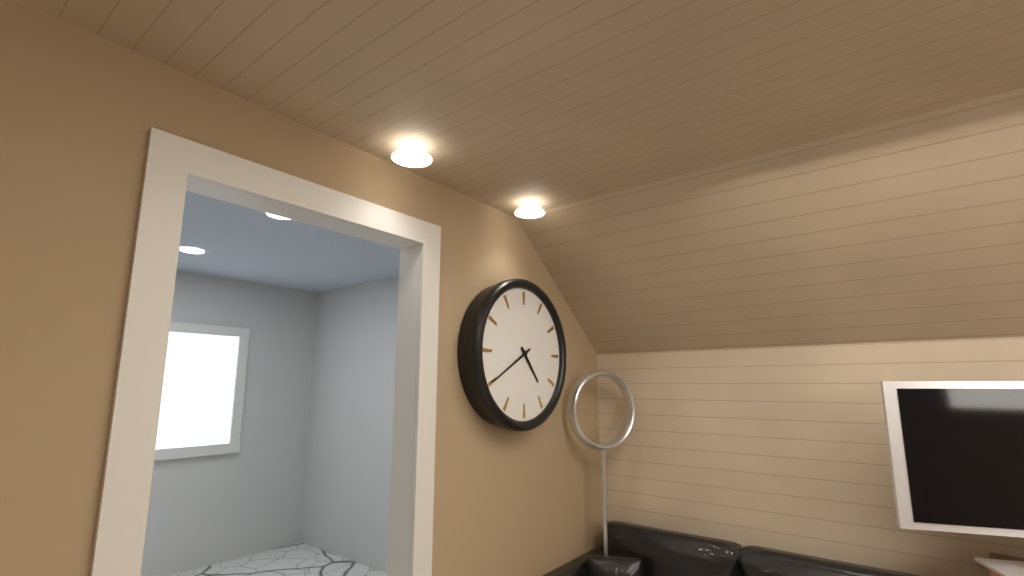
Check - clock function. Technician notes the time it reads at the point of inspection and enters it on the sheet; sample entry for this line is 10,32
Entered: 4,40
